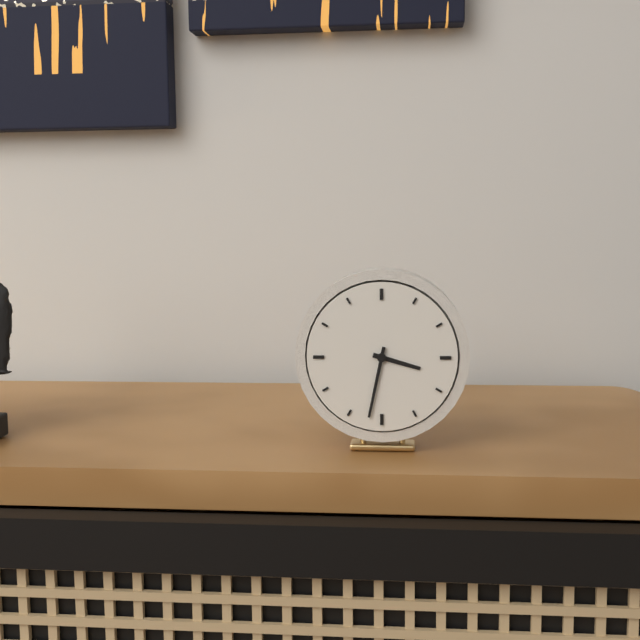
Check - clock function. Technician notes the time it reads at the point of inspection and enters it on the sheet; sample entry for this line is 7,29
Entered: 3,32
